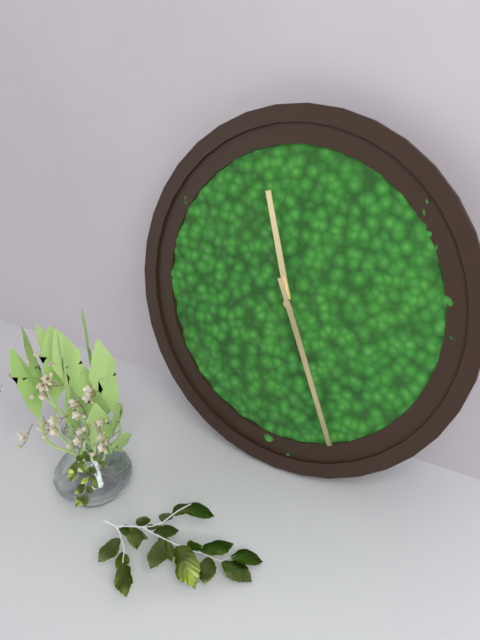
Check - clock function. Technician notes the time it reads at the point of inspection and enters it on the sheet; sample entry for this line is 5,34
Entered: 11,26
